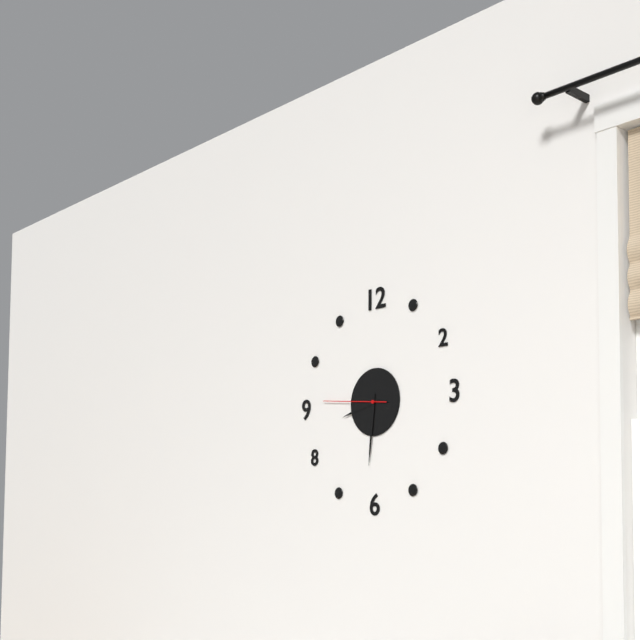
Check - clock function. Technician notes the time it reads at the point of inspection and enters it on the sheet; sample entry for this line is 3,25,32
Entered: 8,31,46
